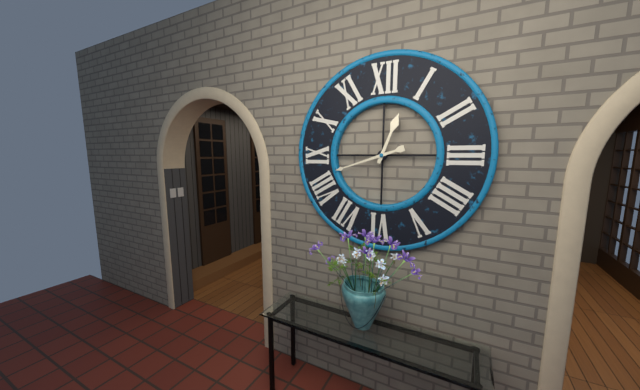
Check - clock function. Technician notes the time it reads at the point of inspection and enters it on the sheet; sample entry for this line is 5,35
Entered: 12,42
